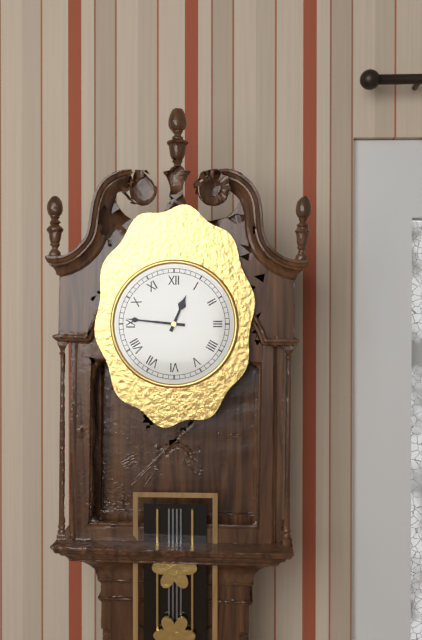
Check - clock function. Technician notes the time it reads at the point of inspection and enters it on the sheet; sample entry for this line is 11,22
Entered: 12,46
